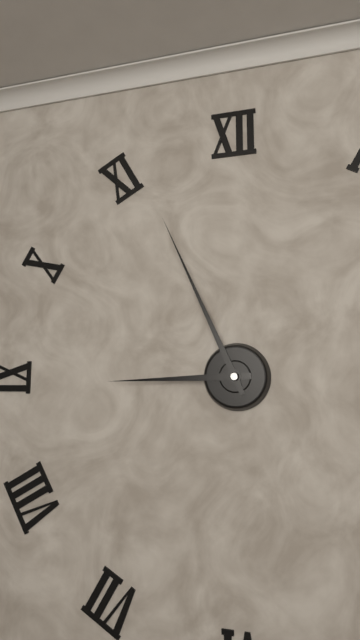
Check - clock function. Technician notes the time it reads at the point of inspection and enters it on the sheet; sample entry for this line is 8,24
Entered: 8,56
